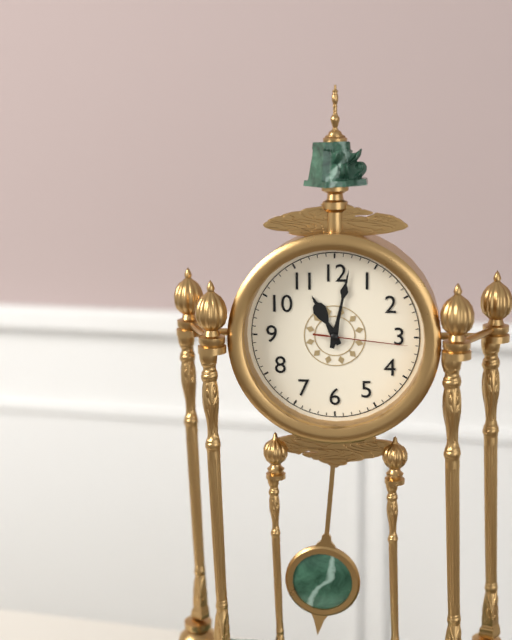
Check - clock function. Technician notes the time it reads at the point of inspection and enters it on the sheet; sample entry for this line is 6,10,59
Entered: 11,02,16
